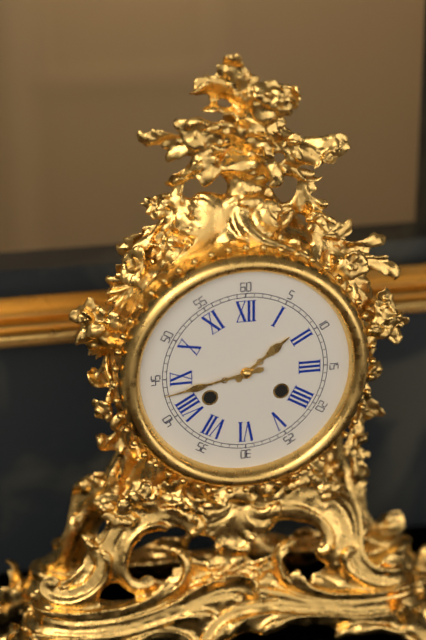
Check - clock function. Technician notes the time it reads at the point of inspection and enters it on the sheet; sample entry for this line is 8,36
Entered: 1,43
